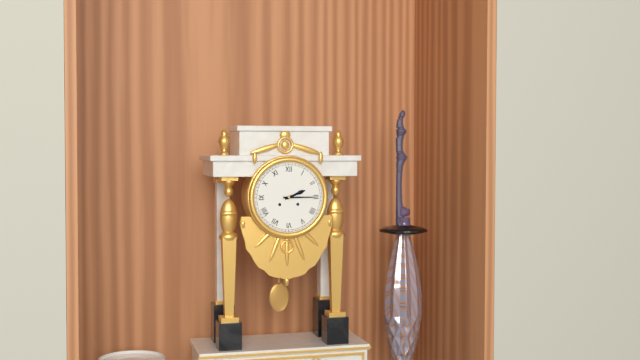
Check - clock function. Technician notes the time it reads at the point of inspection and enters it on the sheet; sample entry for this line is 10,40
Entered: 2,15
